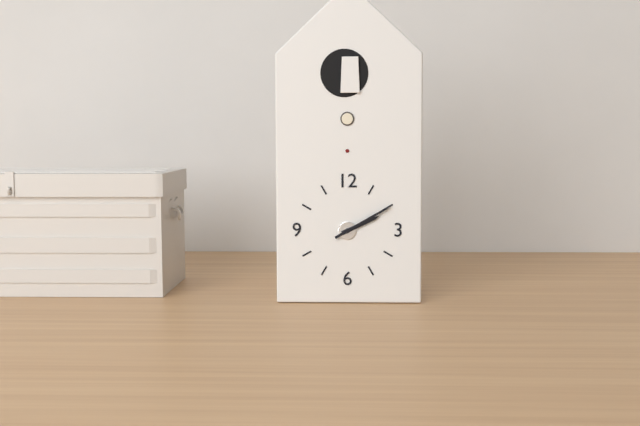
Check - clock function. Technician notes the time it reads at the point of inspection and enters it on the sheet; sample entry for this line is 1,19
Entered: 2,10
